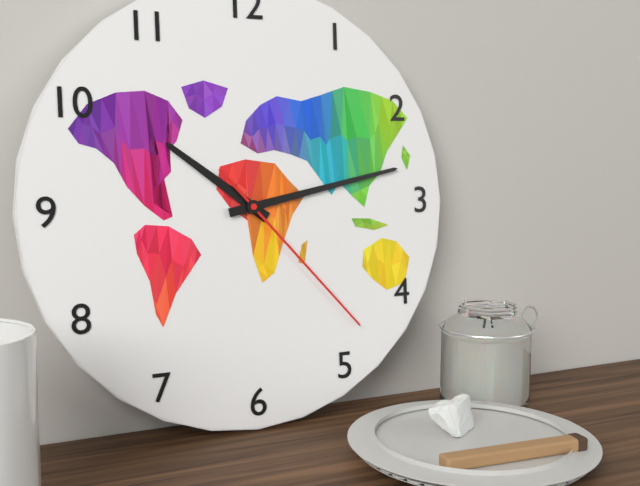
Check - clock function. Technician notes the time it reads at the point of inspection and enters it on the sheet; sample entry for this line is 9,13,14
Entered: 10,13,23
